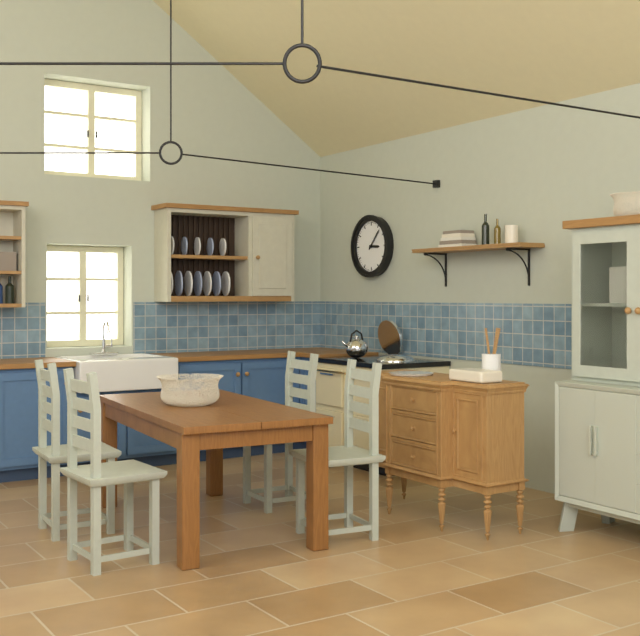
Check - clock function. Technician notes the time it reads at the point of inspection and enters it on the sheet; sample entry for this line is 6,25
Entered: 3,07
